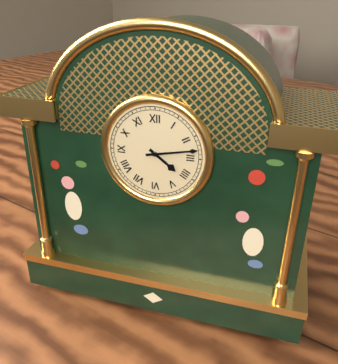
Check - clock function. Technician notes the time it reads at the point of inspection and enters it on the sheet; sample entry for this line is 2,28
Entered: 4,13
